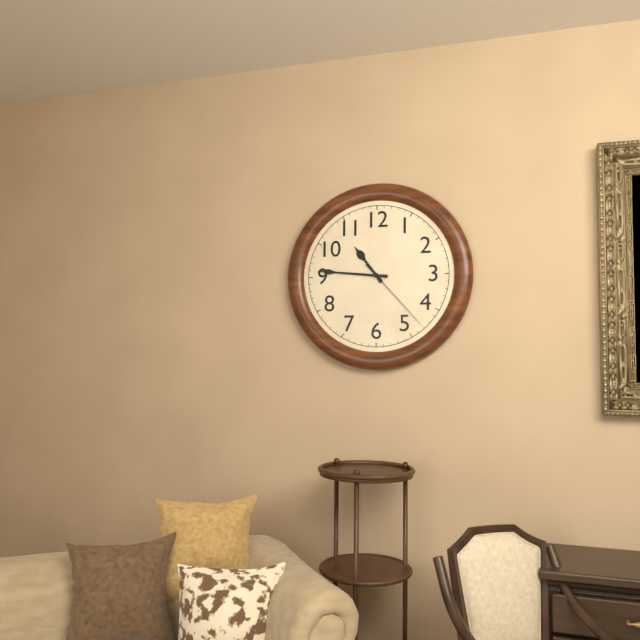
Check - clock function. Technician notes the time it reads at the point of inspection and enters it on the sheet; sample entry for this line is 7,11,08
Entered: 10,46,23
